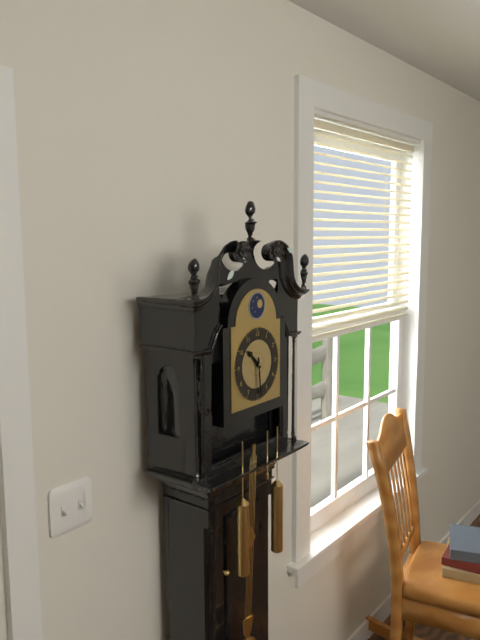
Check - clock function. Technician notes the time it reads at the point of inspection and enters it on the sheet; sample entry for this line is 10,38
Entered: 10,29
